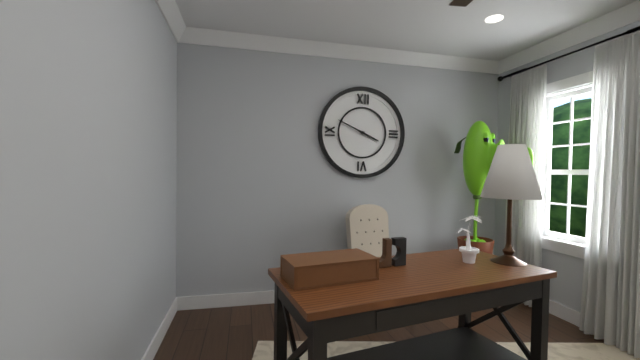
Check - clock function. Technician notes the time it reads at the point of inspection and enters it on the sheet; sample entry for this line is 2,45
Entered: 3,49
